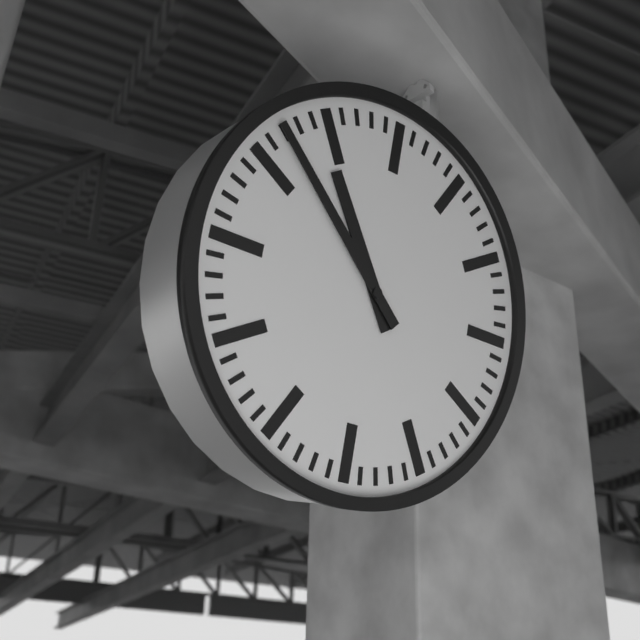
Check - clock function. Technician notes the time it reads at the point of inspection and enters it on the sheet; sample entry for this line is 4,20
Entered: 10,52
